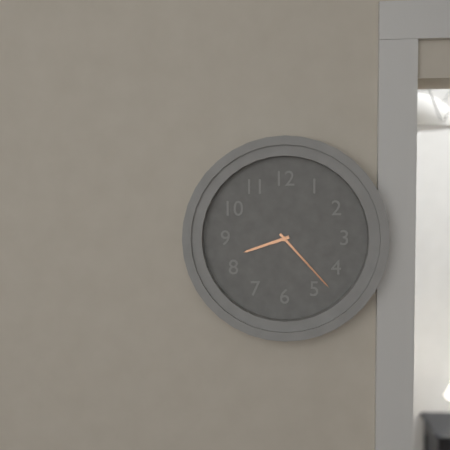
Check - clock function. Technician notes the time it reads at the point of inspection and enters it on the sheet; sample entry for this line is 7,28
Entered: 8,23
